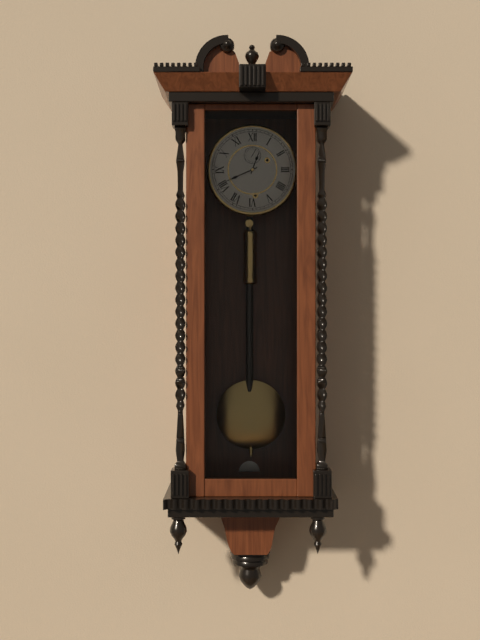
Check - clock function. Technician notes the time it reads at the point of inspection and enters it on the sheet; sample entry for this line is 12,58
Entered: 12,41
